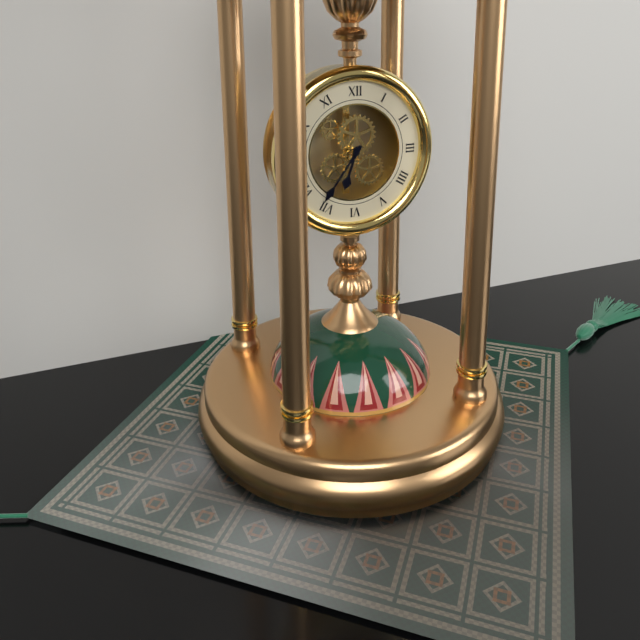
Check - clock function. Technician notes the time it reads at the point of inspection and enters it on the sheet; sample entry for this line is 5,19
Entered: 6,36
